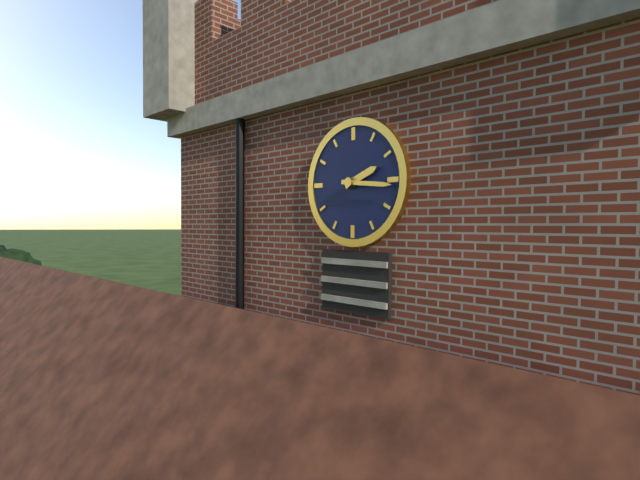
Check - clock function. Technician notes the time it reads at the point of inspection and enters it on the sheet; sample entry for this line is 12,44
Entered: 2,16
